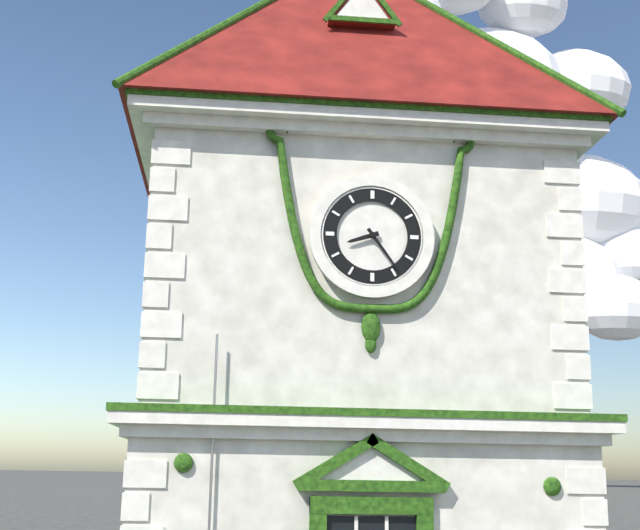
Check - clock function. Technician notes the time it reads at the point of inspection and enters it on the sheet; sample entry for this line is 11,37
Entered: 8,24
